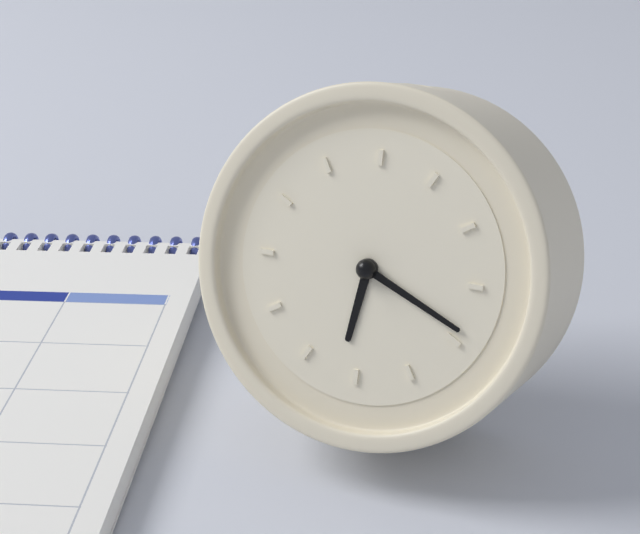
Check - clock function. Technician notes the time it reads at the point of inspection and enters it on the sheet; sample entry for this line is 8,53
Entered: 6,19
